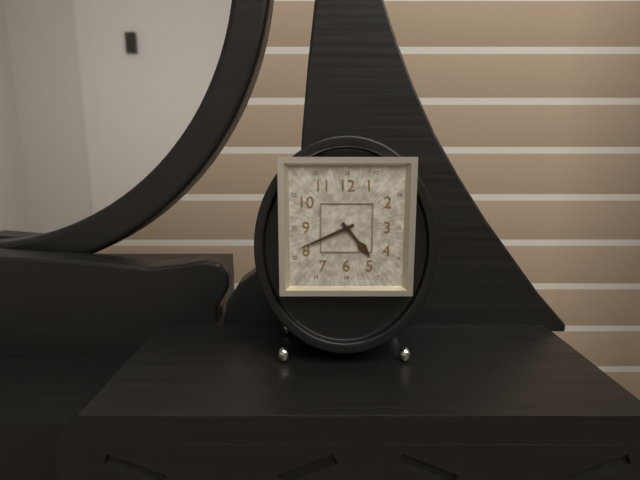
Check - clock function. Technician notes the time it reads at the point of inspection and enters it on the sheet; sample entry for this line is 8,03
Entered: 4,41
